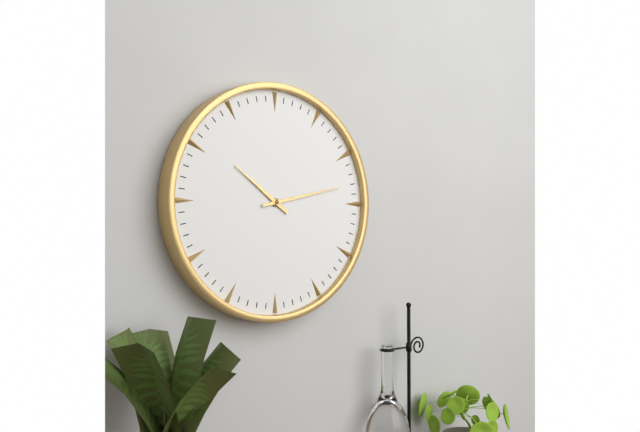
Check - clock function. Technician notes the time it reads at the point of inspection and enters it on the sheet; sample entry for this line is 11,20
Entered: 10,13
